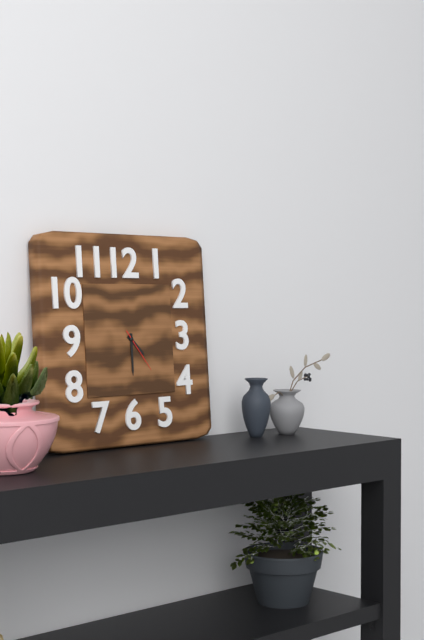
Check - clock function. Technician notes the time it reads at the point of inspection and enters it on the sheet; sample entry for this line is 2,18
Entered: 4,30
